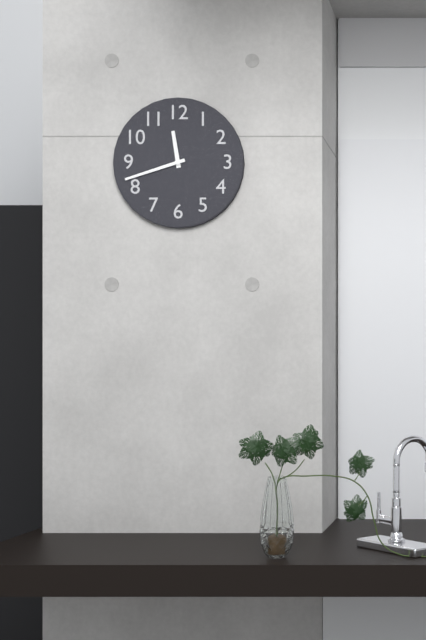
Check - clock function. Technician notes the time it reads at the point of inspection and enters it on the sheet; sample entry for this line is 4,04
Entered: 11,42
